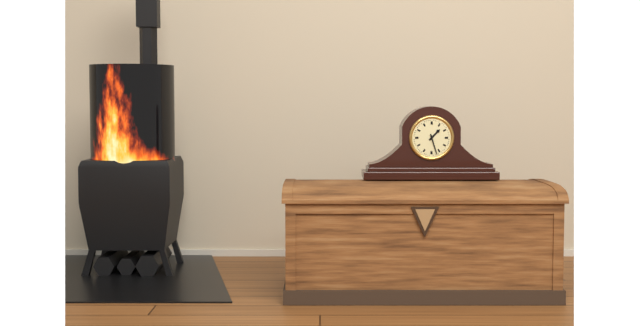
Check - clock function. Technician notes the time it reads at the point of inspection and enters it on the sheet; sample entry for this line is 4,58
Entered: 1,27
